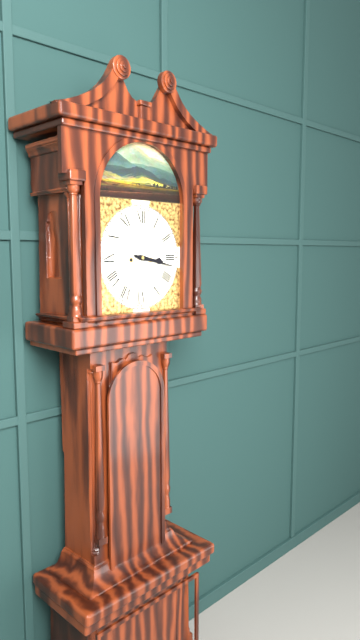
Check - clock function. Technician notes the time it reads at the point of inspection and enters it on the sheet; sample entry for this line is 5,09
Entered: 3,17
